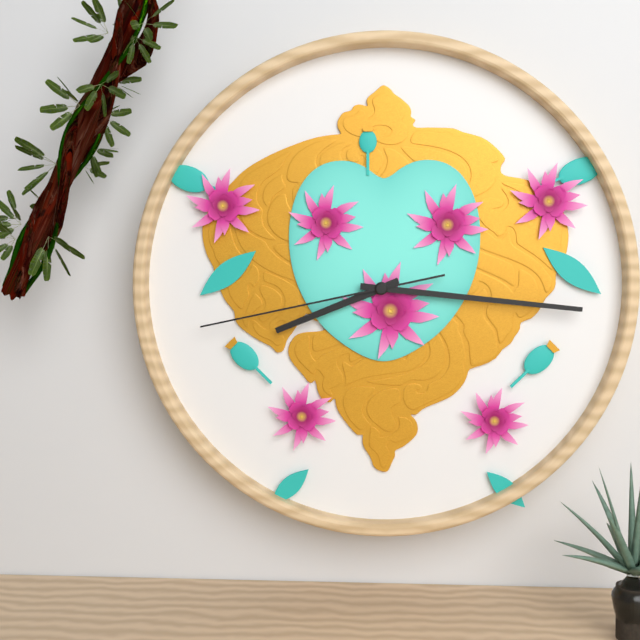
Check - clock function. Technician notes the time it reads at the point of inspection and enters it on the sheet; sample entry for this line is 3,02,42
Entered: 8,16,43
